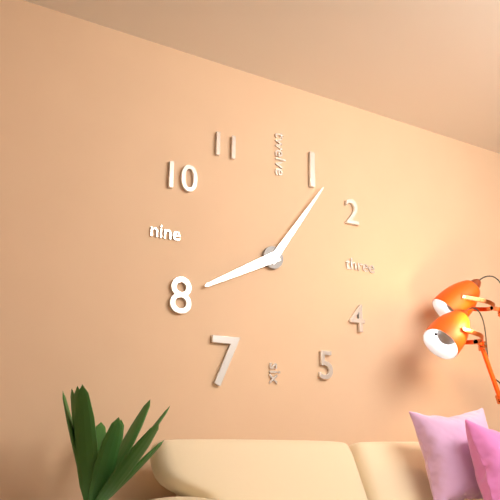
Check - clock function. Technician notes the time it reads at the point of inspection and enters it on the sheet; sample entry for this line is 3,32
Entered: 8,06
